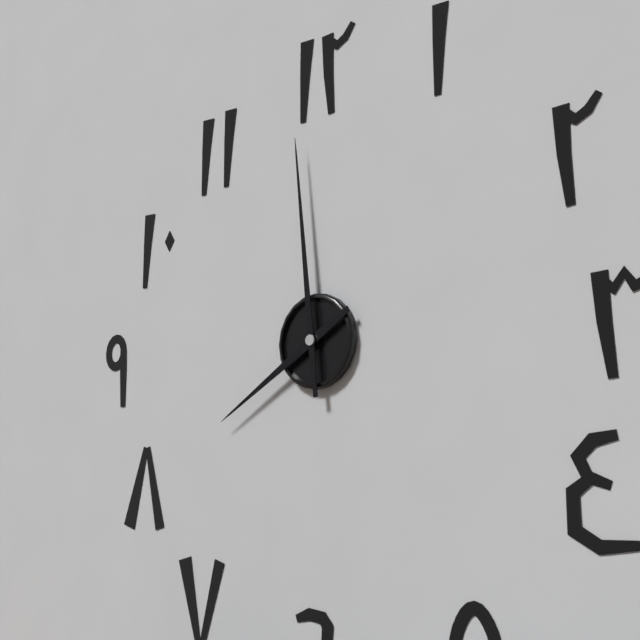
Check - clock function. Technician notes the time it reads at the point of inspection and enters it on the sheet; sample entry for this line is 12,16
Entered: 7,59
